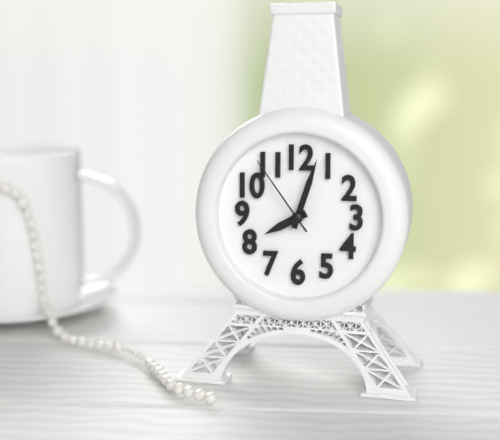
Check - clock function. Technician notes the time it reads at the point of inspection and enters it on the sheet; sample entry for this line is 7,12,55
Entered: 8,03,54
